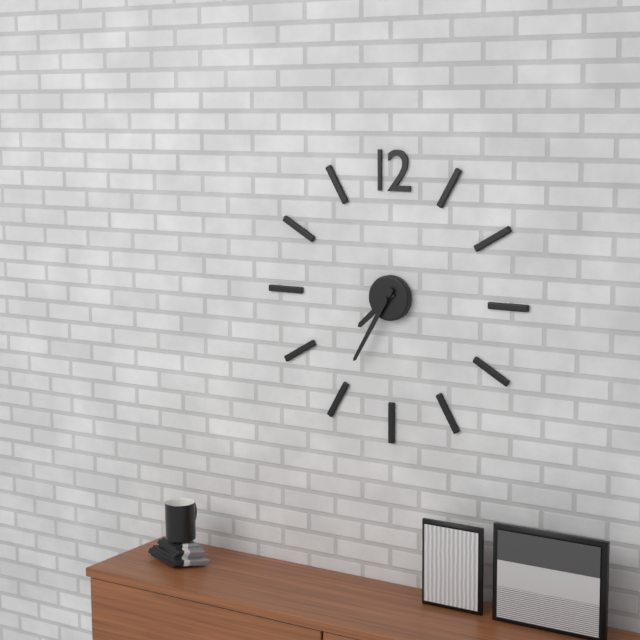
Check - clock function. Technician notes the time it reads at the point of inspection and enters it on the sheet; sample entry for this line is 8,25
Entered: 7,35
